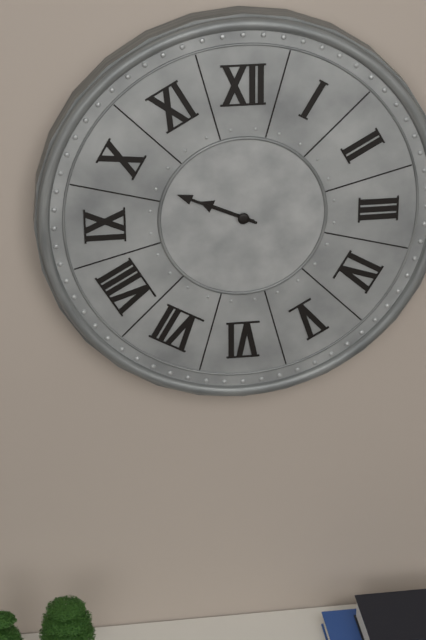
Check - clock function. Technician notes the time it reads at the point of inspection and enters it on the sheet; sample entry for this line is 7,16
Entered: 9,49
